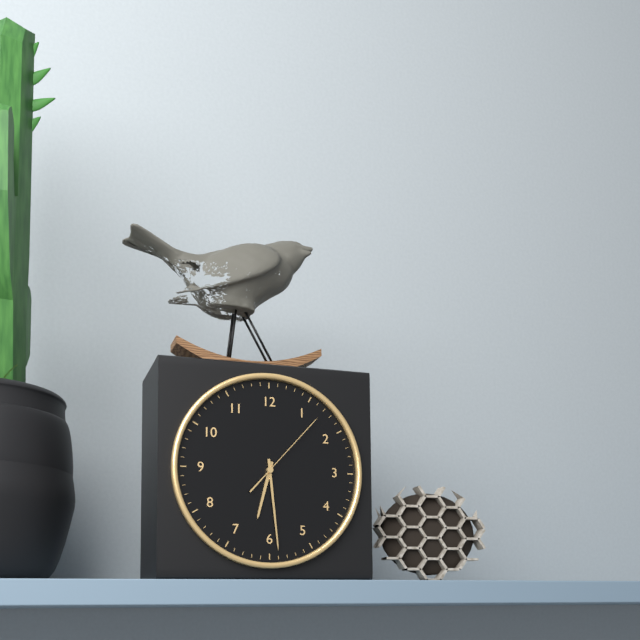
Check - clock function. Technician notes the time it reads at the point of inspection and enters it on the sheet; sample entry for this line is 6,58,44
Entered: 6,29,07
